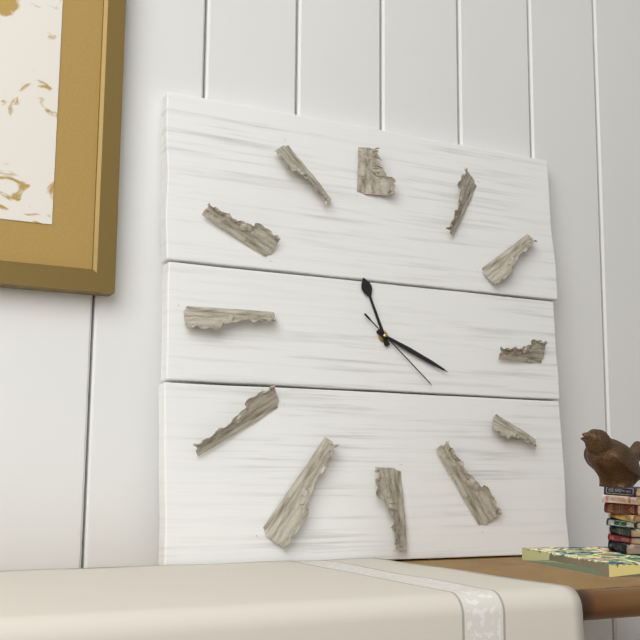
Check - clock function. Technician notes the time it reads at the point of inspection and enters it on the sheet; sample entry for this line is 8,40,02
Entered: 11,19,22
